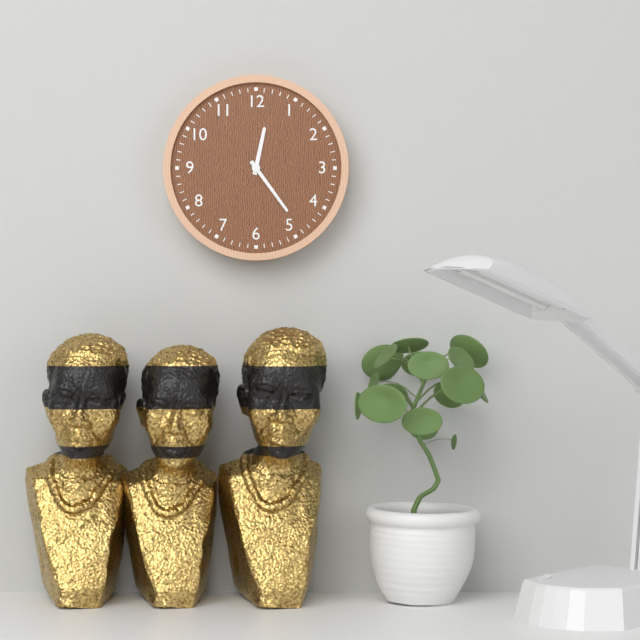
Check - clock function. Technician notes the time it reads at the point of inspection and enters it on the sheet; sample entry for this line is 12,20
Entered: 12,24
